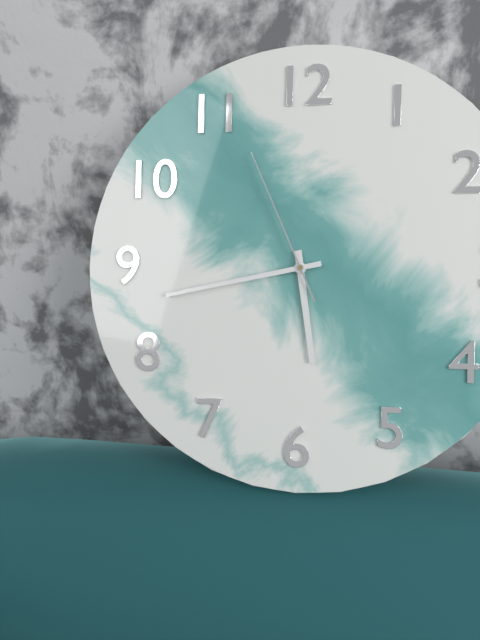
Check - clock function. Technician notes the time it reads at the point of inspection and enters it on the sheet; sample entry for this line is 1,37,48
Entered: 5,43,56
